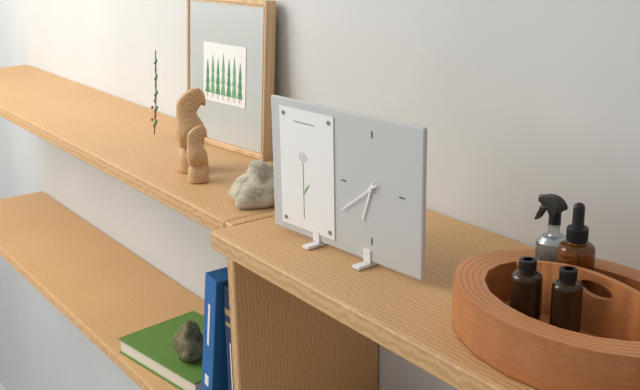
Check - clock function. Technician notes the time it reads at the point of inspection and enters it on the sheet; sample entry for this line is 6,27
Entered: 6,39
